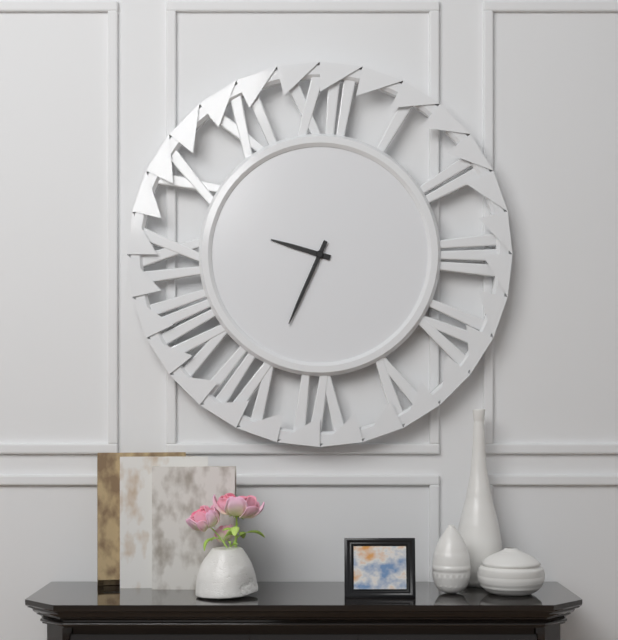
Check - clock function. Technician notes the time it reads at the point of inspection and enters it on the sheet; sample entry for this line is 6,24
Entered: 9,34
